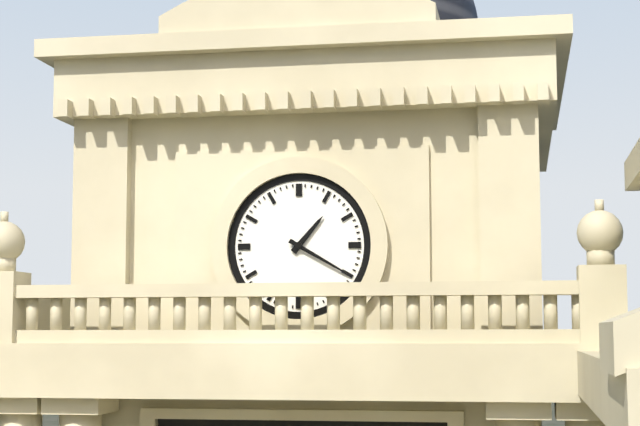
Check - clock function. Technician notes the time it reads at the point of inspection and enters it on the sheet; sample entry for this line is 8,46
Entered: 1,20
